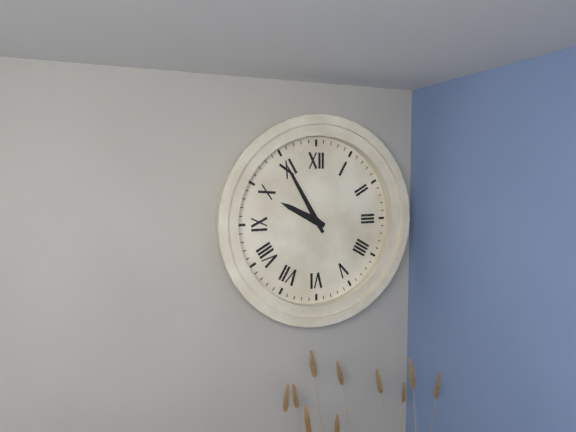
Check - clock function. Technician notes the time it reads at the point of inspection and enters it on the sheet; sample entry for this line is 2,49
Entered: 9,55
